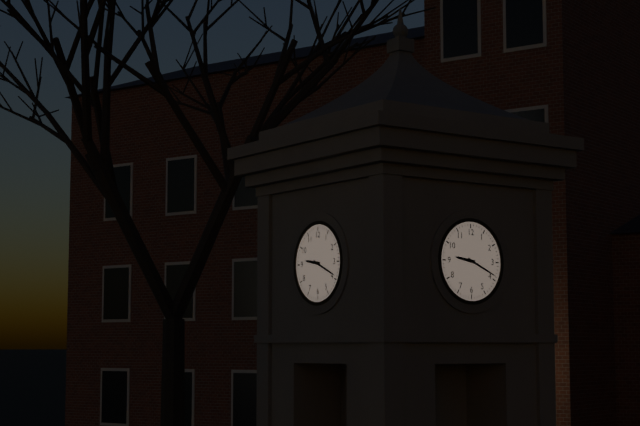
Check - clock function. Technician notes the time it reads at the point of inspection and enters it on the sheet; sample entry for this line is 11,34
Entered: 9,19
